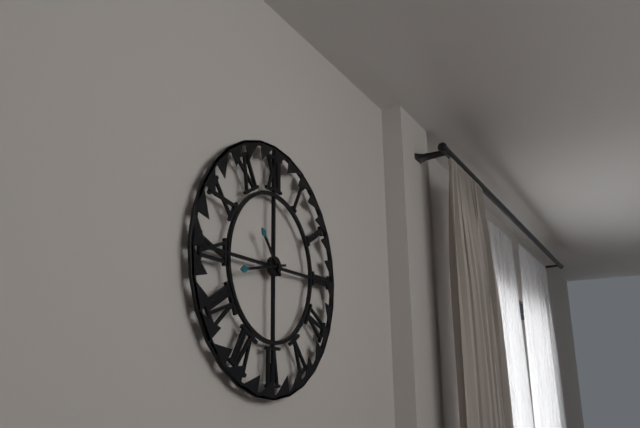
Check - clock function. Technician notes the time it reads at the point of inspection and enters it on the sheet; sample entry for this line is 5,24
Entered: 10,43
